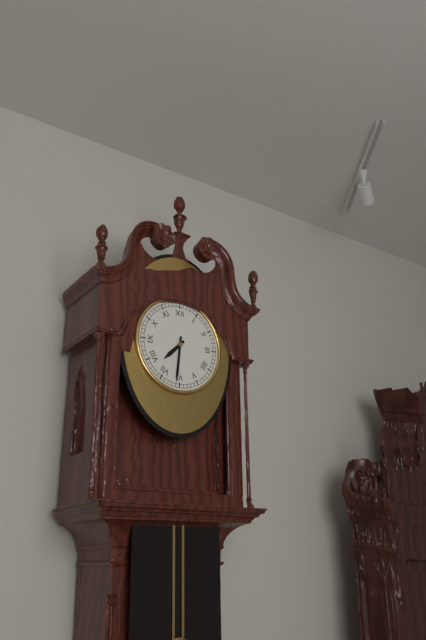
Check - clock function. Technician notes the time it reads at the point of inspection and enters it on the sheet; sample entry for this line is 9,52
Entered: 7,31
